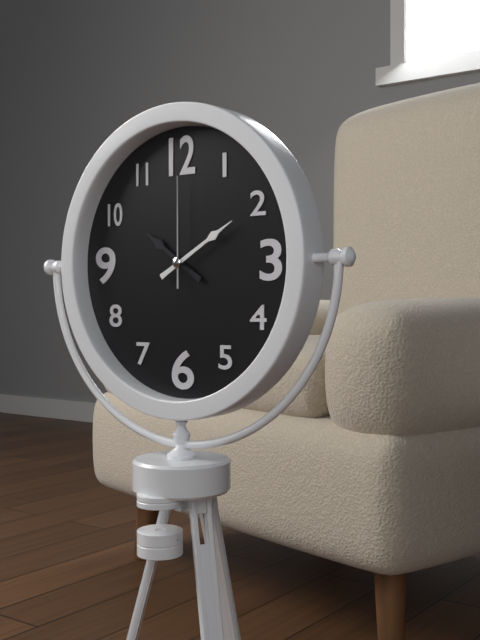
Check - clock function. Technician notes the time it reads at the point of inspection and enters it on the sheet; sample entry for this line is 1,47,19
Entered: 10,10,00
